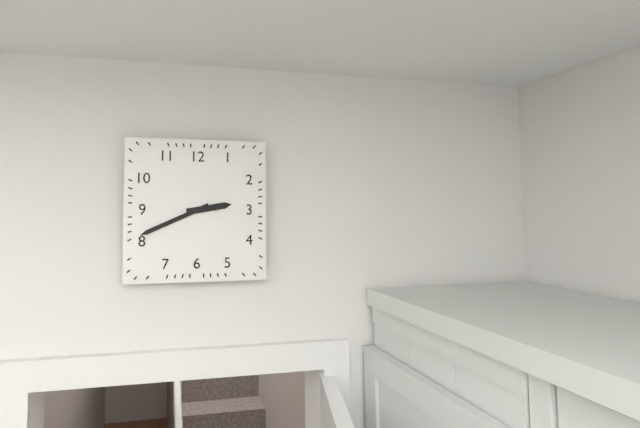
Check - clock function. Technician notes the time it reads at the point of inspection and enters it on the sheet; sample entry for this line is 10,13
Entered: 2,41
